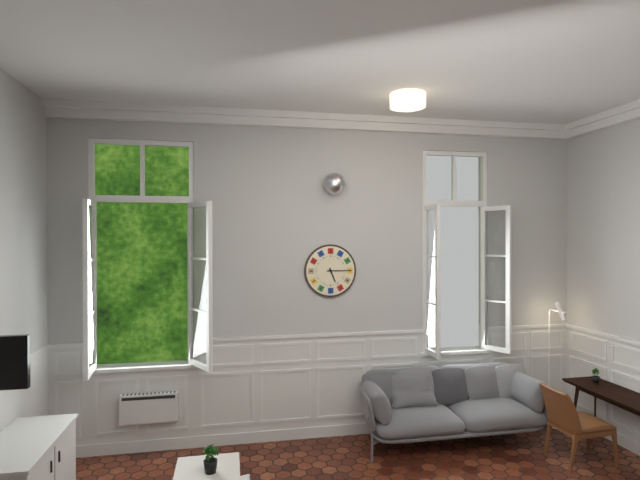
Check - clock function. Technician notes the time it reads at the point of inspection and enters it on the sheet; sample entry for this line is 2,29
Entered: 5,15
